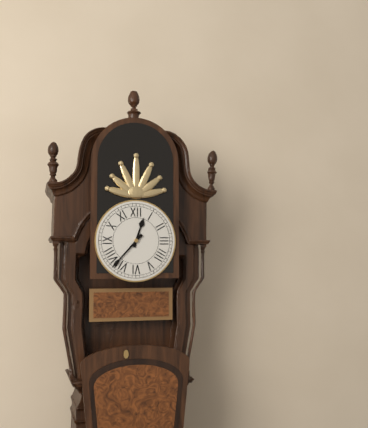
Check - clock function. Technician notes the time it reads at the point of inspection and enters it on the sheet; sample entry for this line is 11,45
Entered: 12,37
